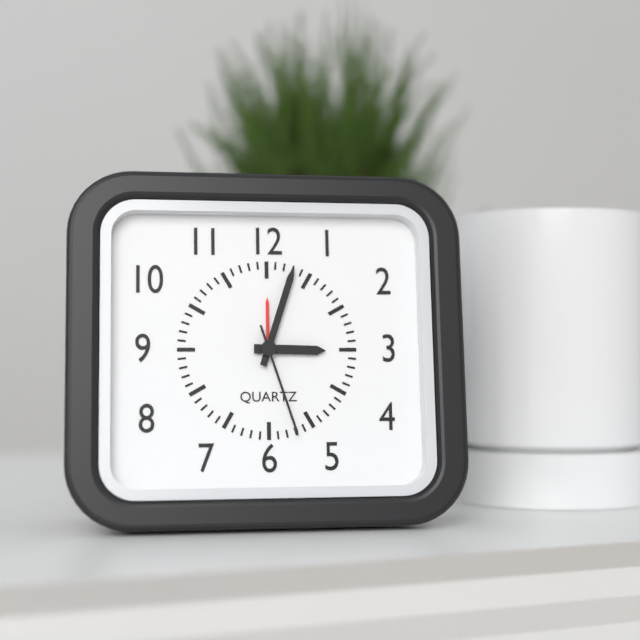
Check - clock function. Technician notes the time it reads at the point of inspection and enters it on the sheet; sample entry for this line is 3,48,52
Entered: 3,03,27
